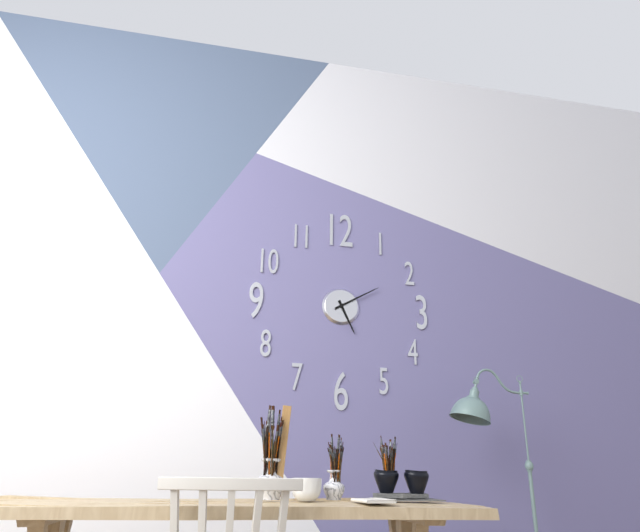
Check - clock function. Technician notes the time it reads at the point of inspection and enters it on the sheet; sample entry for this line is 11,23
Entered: 5,10
